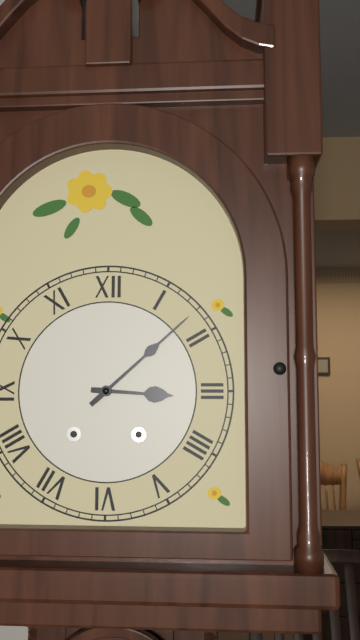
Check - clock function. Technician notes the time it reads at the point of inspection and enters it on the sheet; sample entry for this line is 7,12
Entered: 3,08
